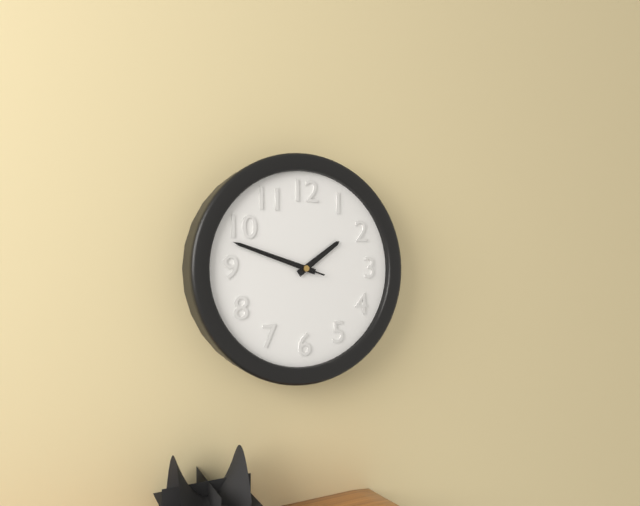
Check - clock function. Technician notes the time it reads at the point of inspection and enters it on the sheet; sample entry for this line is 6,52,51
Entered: 1,48,48
